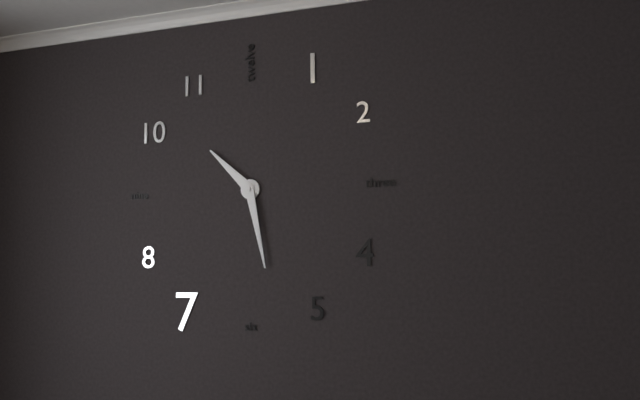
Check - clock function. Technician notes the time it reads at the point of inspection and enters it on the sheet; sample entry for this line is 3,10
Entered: 10,28
